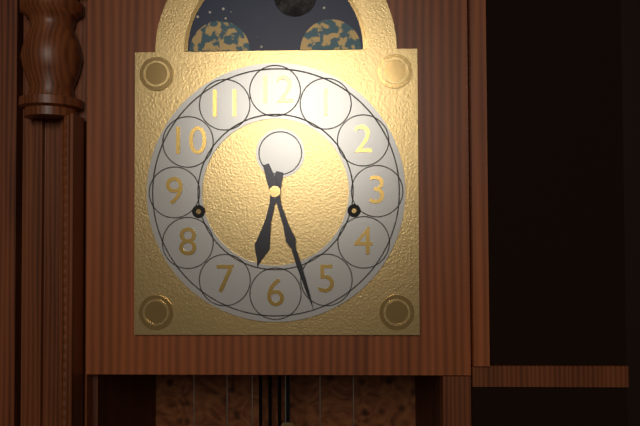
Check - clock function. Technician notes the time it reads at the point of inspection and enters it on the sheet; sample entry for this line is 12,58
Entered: 6,27
